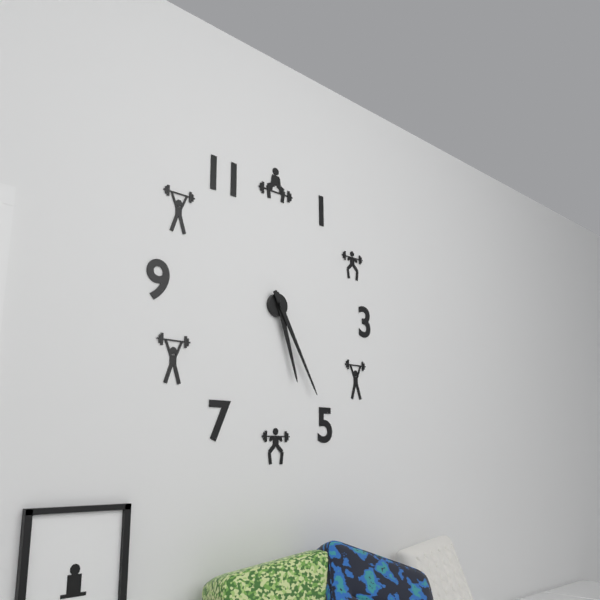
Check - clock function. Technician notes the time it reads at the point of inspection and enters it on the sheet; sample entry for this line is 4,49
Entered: 5,25
